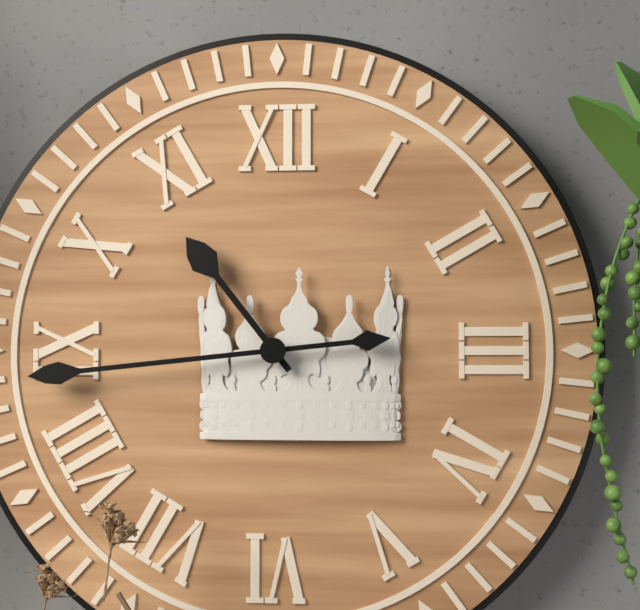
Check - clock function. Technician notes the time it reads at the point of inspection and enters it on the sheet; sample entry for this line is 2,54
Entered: 10,44
